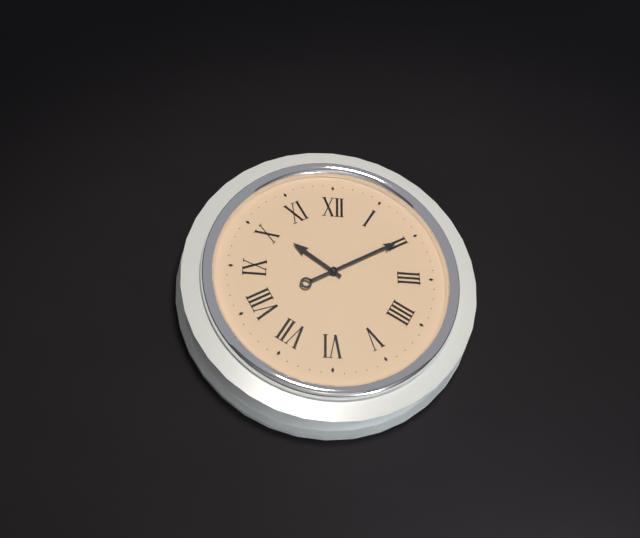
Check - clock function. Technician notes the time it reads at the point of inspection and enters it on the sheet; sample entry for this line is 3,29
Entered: 10,10
